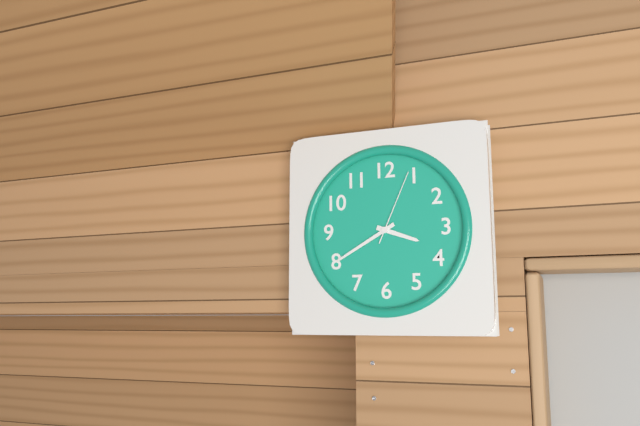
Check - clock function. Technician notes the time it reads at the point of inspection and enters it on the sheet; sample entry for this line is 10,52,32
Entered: 3,40,04
